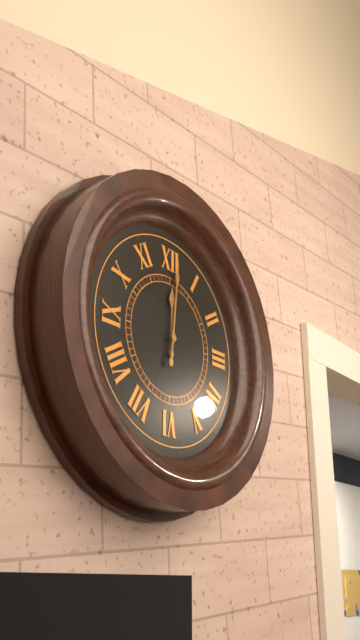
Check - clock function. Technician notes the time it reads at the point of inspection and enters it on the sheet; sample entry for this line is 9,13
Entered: 12,01
